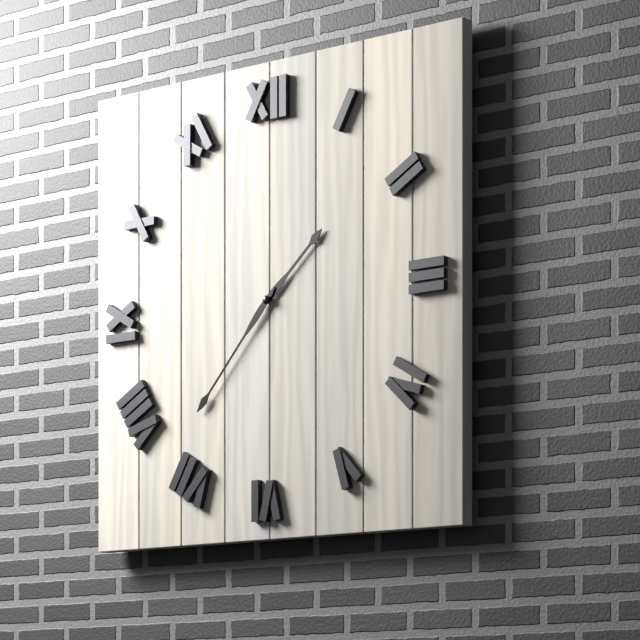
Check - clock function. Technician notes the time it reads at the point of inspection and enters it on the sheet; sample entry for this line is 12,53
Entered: 1,37
